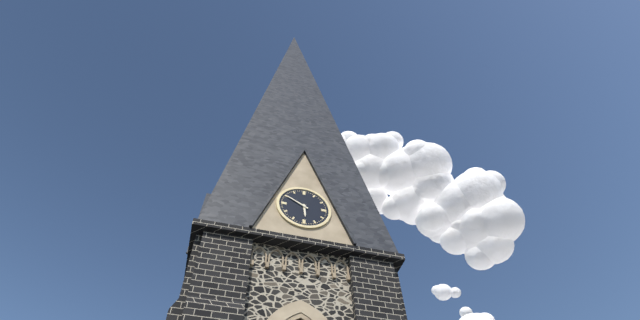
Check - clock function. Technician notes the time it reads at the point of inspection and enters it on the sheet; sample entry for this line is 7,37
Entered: 5,50
